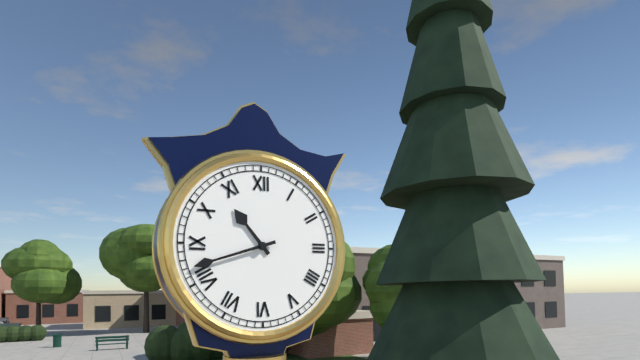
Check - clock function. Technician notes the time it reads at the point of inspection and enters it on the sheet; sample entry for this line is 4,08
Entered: 10,42
